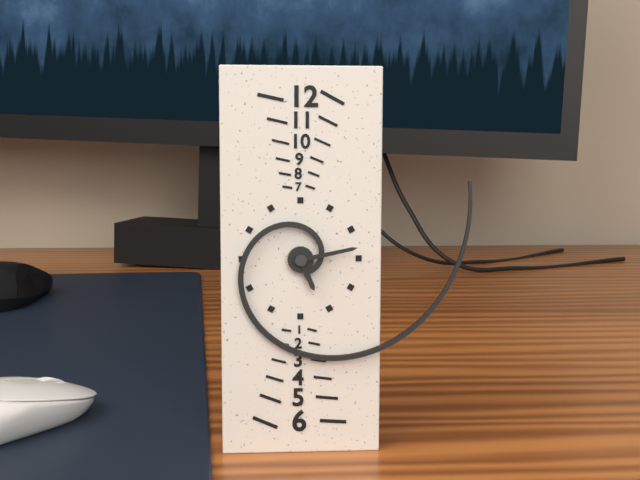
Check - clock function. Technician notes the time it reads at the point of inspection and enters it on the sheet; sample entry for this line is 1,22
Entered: 5,13
